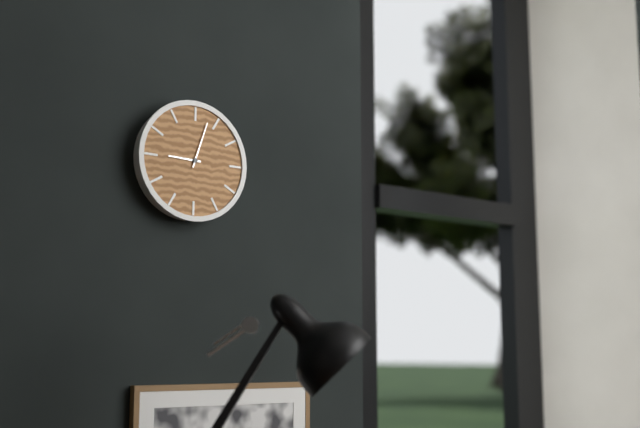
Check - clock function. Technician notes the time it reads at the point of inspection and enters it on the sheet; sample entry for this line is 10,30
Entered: 9,03
